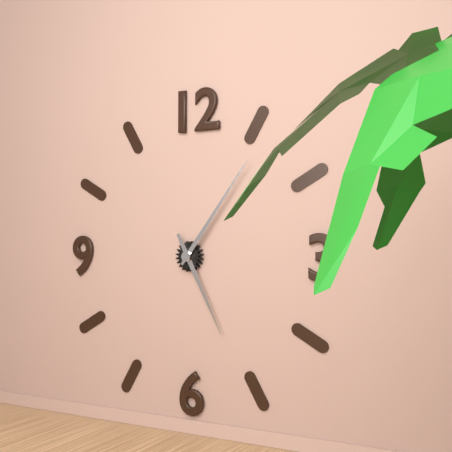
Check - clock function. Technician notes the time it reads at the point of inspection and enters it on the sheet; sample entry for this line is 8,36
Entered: 5,06
